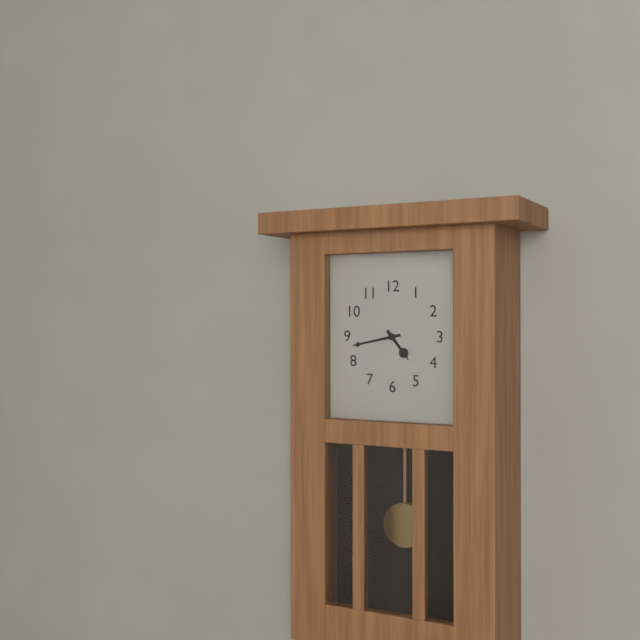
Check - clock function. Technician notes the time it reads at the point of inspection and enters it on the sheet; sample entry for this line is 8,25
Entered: 4,43
